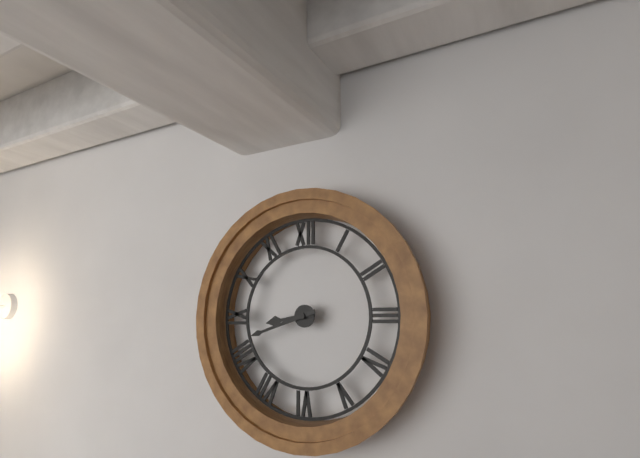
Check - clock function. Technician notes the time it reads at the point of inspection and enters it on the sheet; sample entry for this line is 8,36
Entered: 8,42
